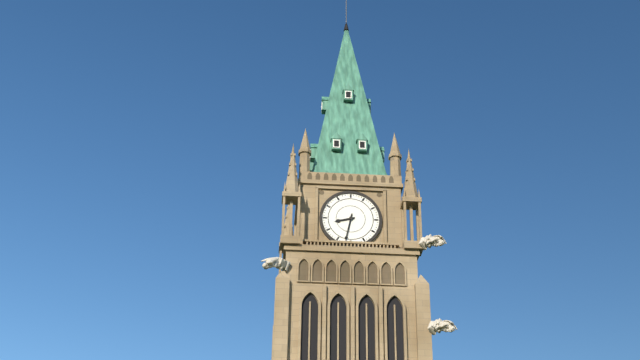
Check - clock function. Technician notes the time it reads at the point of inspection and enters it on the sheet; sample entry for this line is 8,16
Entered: 8,32
